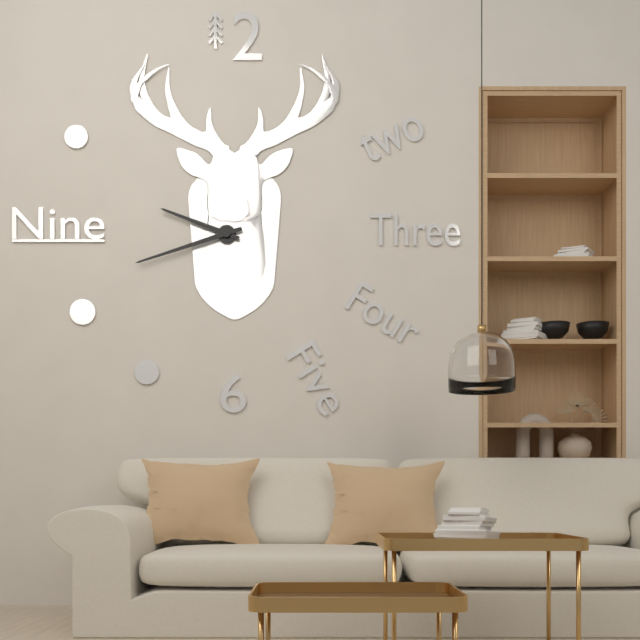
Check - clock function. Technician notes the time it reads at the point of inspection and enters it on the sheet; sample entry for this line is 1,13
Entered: 9,42
